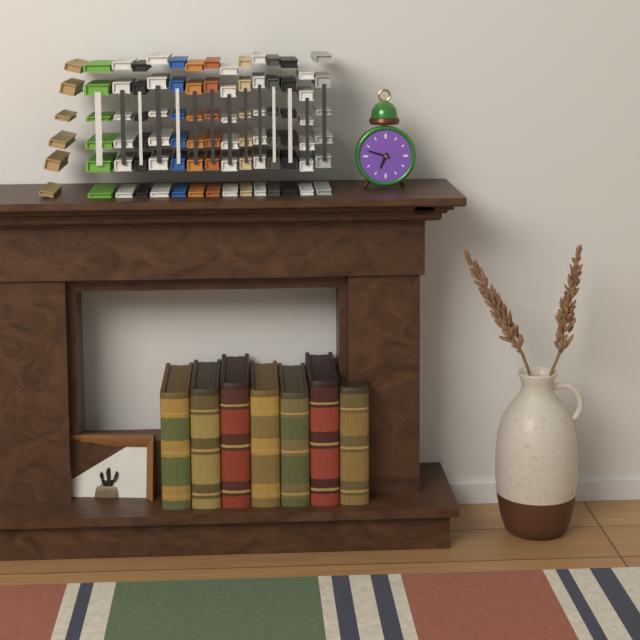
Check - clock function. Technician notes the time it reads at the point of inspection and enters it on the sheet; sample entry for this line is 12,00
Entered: 6,48
